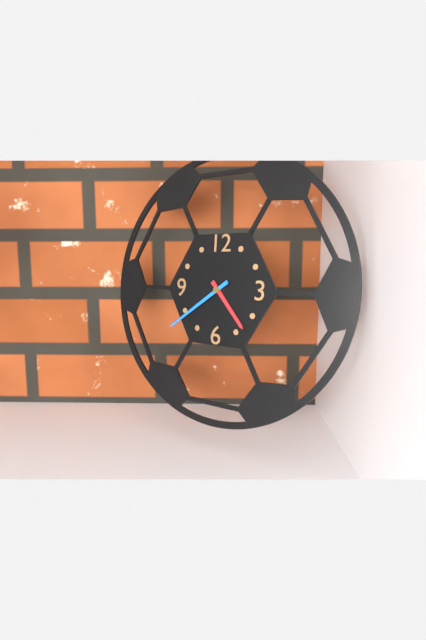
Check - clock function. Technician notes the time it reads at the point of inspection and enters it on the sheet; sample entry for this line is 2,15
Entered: 4,39
